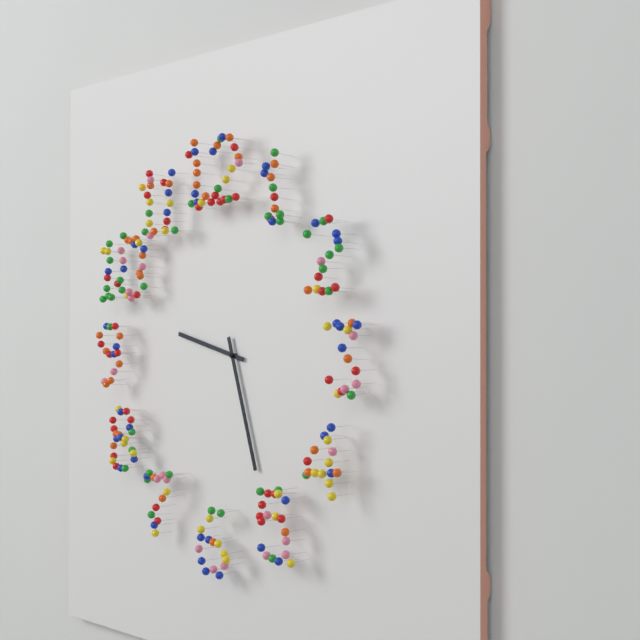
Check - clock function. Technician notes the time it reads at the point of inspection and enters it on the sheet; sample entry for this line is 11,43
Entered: 9,27
